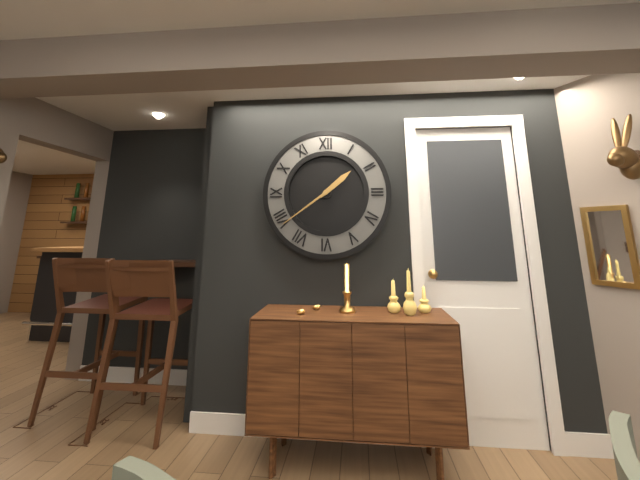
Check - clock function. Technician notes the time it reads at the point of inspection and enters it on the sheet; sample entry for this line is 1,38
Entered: 1,39
